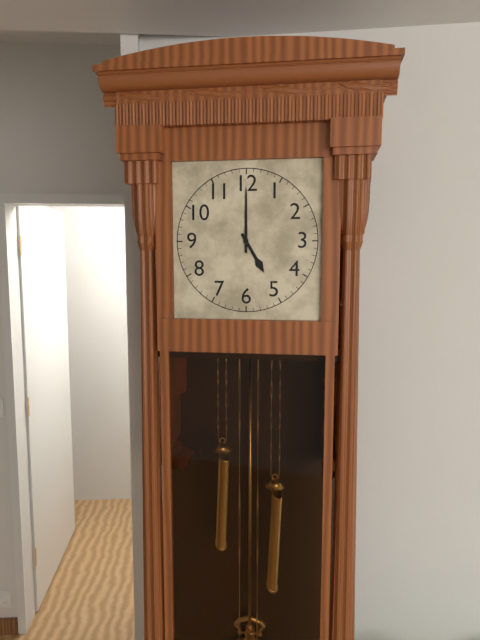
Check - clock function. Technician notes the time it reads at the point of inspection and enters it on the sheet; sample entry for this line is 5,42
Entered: 5,00
